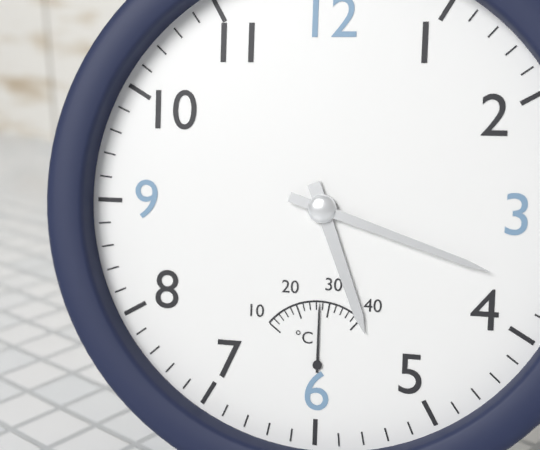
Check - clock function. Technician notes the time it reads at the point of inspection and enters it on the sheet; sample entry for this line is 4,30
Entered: 5,18
